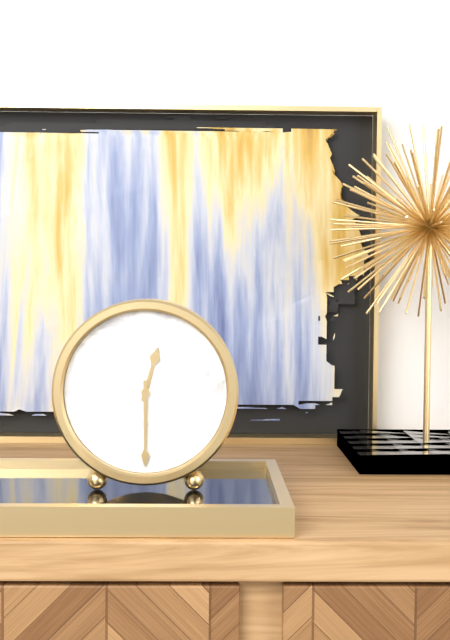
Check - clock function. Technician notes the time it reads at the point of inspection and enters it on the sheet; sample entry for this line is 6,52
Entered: 12,30
